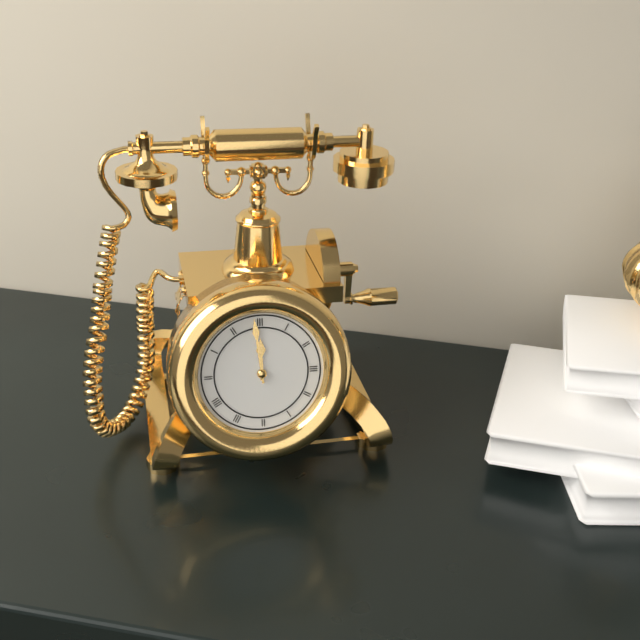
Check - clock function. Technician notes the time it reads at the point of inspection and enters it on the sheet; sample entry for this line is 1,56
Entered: 11,59
